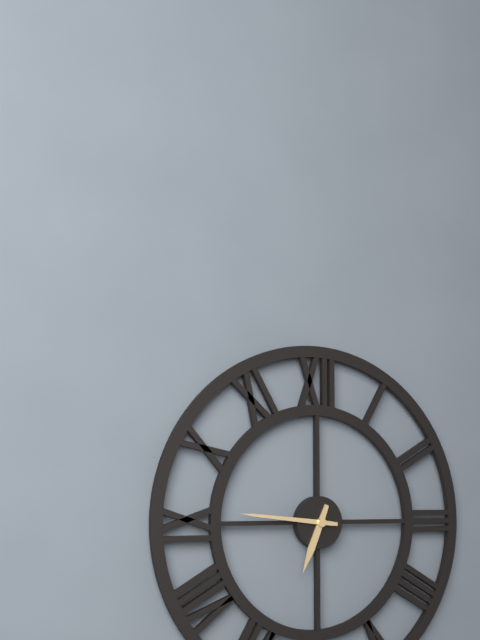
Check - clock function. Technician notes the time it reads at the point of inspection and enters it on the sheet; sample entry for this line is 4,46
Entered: 6,46
